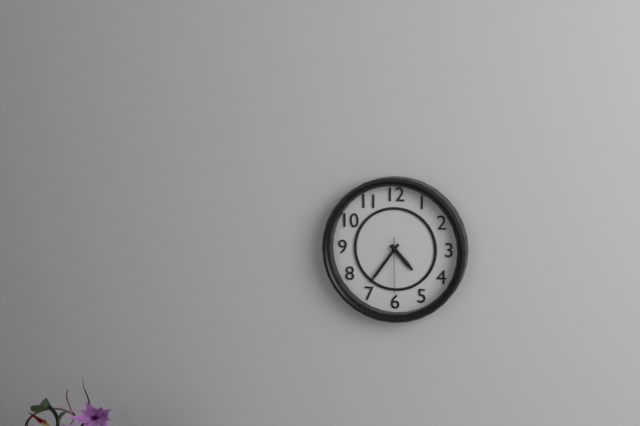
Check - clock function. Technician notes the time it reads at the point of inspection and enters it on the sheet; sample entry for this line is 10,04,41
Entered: 4,36,30
